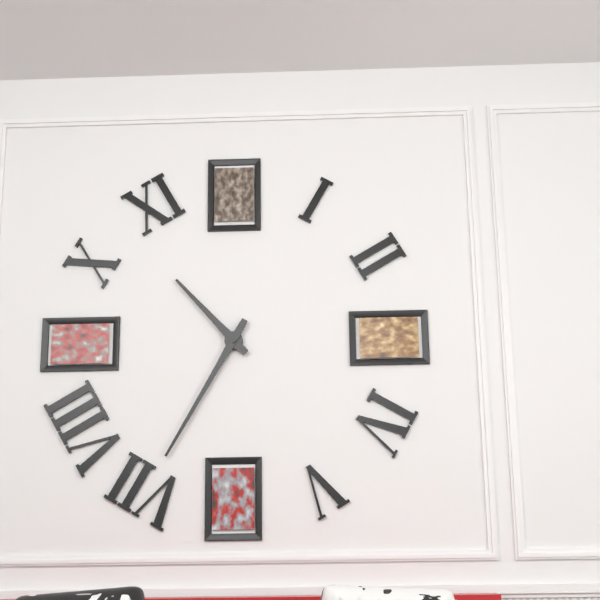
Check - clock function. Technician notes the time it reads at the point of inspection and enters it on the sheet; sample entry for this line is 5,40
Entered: 10,35
